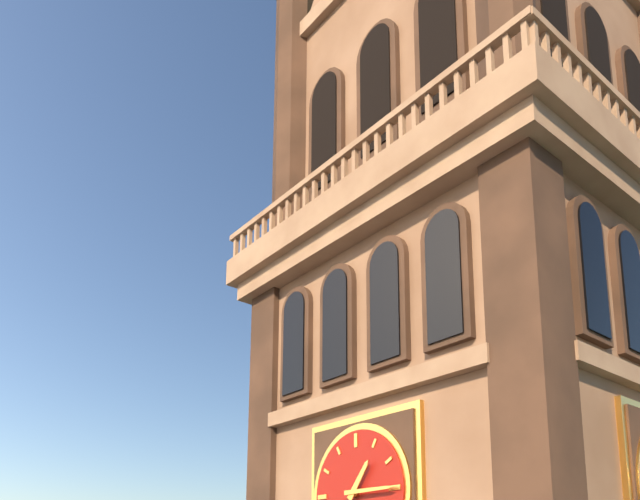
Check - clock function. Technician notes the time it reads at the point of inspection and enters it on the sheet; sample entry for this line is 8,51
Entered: 1,15
